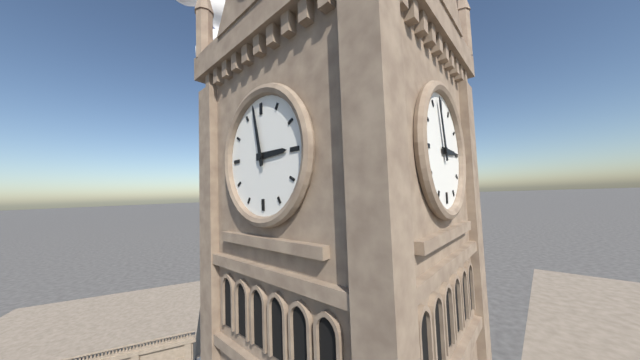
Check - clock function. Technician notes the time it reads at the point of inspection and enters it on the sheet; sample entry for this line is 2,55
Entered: 2,58
